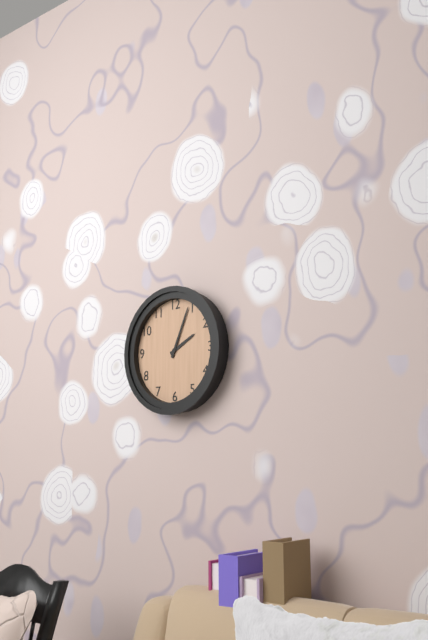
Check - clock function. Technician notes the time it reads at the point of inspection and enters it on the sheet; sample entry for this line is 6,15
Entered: 2,04
